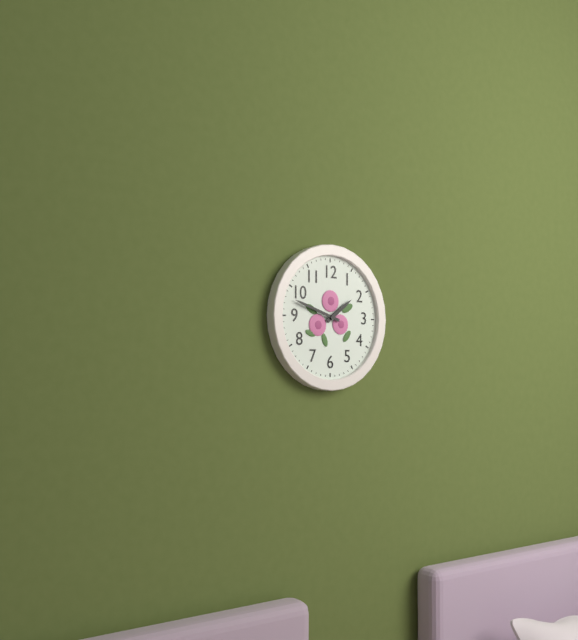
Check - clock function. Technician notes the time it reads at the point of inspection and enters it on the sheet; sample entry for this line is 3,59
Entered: 1,48
